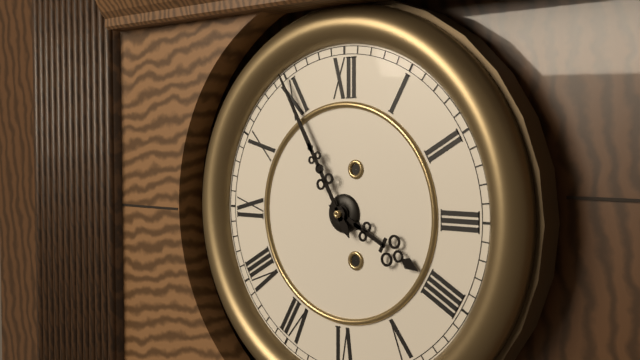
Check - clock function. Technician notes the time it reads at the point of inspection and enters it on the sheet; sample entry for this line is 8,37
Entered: 3,55
